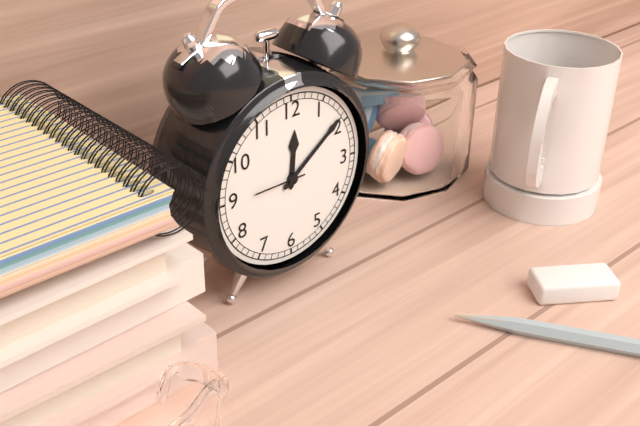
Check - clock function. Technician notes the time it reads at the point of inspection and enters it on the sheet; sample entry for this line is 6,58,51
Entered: 12,09,45
